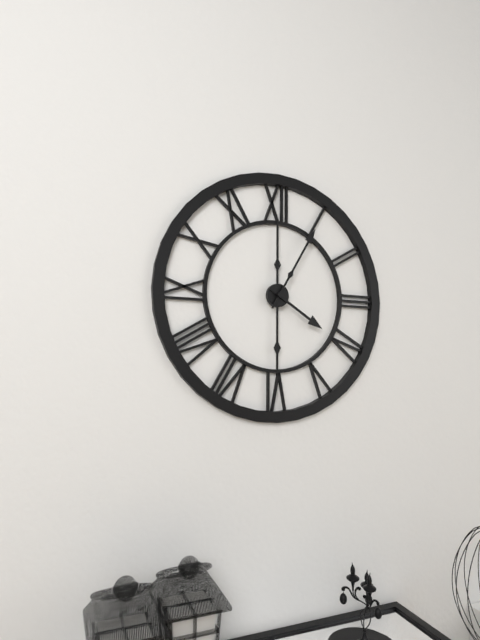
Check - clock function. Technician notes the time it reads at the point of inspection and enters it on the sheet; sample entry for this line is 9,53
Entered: 4,05
